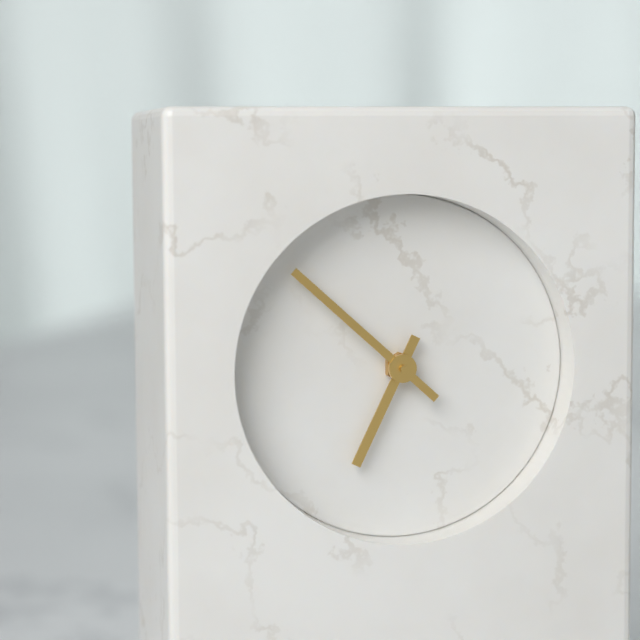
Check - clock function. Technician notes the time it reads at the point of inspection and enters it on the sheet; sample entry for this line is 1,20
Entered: 6,52
